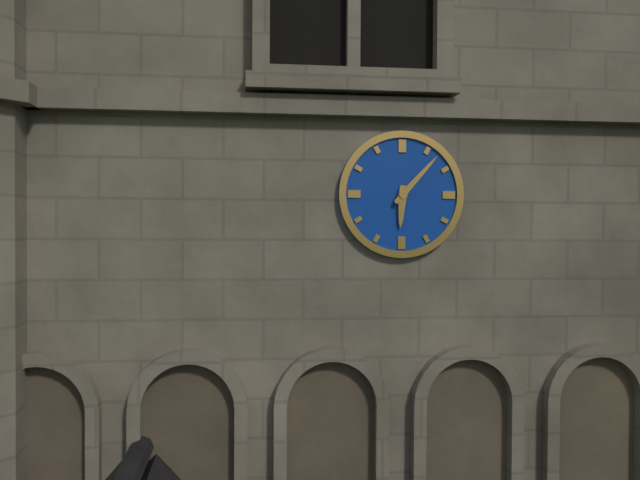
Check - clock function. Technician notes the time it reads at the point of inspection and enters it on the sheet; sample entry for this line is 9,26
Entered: 6,07
